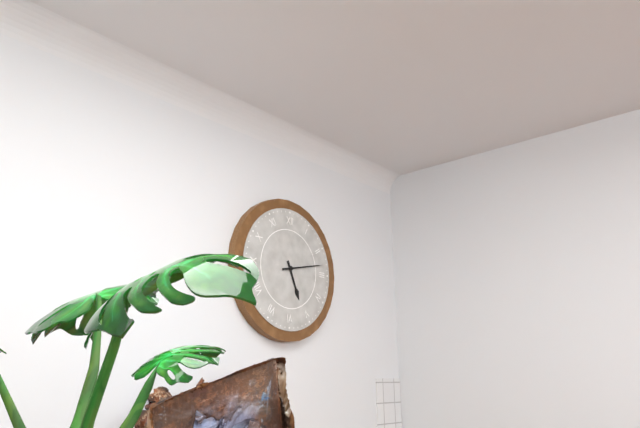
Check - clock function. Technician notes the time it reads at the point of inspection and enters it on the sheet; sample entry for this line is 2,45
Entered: 5,13
